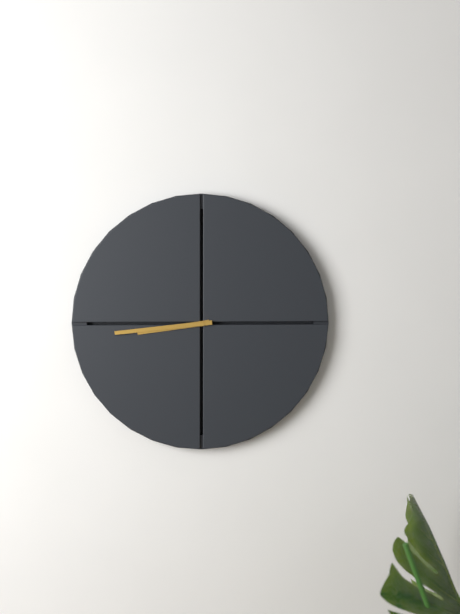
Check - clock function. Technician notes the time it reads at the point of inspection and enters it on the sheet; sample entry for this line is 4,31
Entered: 8,44
